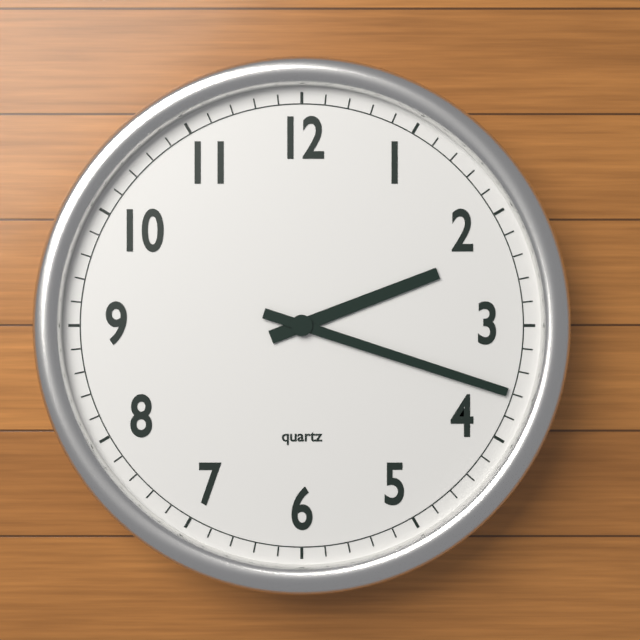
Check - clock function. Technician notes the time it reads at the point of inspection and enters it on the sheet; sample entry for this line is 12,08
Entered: 2,18
